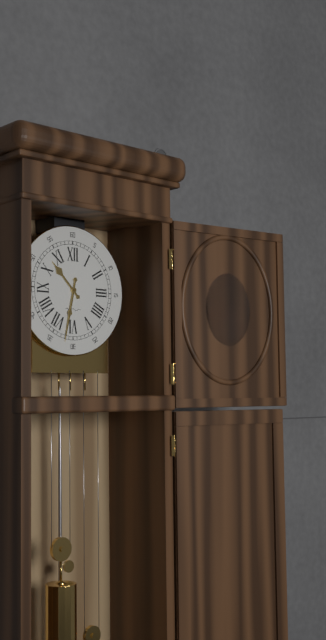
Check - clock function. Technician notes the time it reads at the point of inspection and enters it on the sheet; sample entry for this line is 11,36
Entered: 10,32
